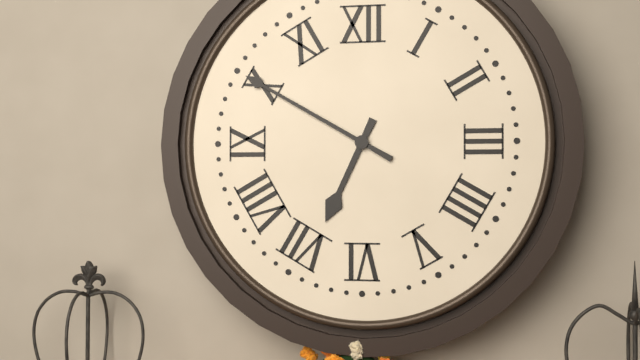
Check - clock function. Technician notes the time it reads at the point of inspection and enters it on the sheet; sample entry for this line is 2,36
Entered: 6,50
